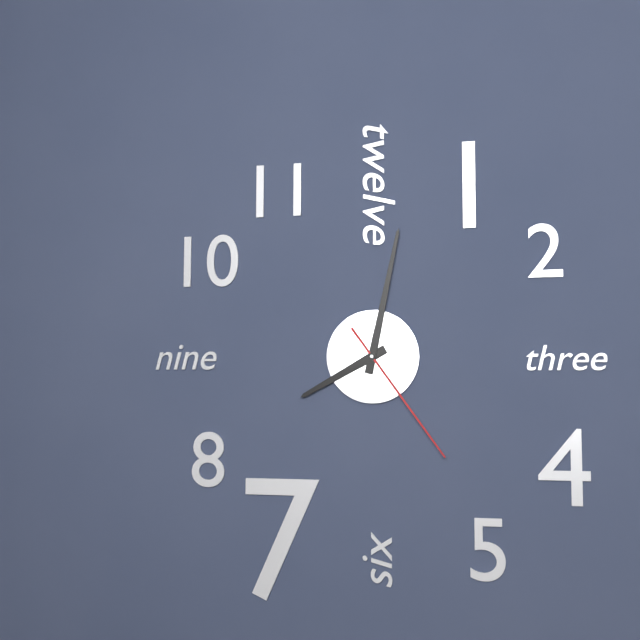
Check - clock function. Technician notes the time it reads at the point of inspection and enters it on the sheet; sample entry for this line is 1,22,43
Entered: 8,02,24
